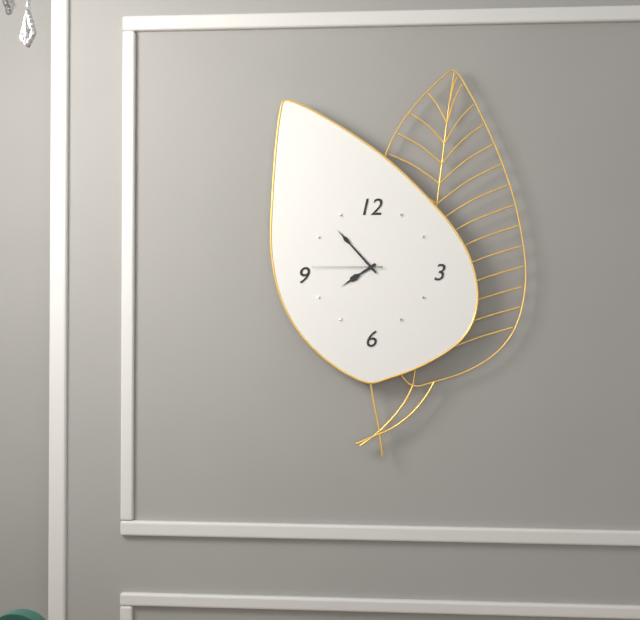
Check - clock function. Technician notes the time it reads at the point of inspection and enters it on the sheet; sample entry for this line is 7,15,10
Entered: 7,53,45
